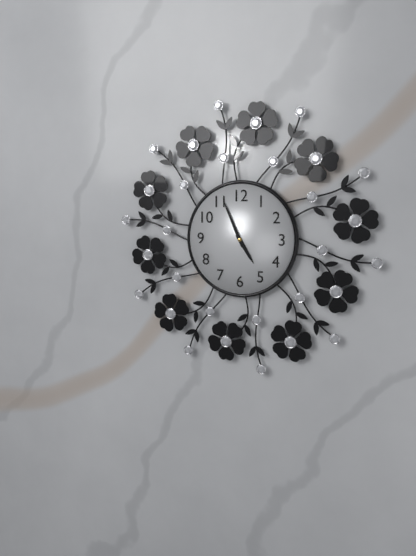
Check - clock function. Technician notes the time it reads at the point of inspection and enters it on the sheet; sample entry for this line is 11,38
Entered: 4,56
